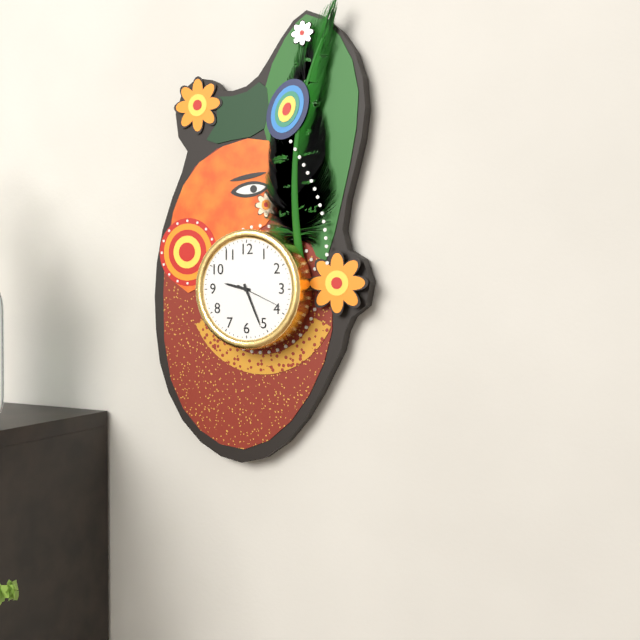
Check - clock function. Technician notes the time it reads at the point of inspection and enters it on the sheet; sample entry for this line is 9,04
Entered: 9,26
